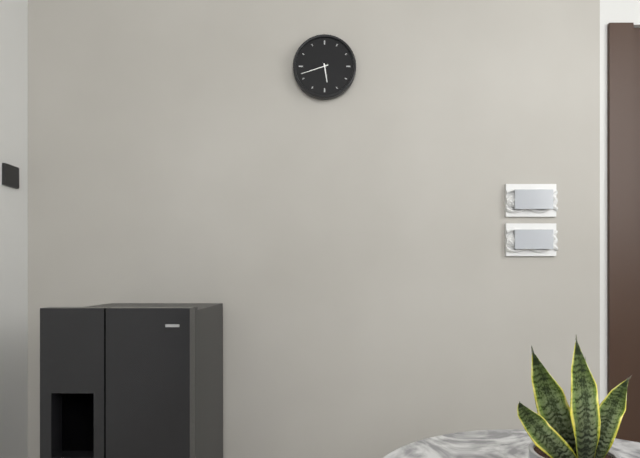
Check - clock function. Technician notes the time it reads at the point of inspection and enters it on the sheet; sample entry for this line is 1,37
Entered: 5,42
